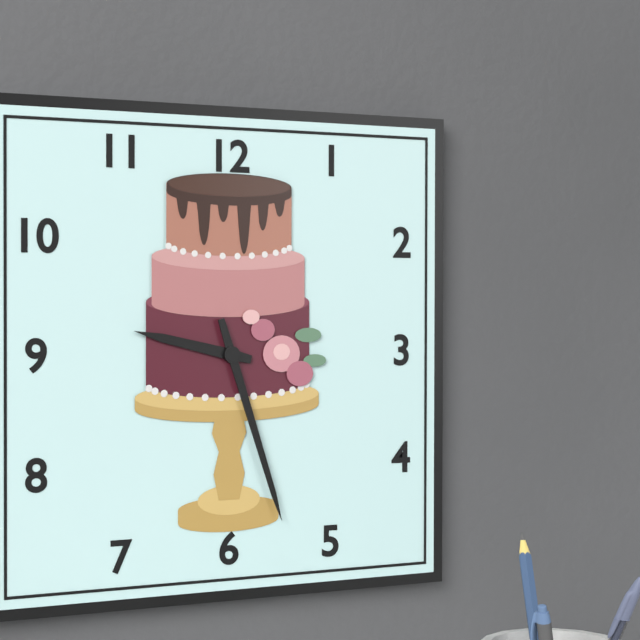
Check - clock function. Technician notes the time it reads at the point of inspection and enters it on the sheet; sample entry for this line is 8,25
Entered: 9,27
